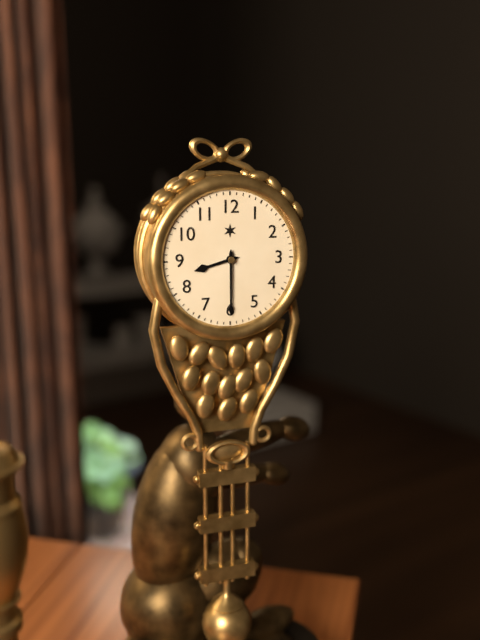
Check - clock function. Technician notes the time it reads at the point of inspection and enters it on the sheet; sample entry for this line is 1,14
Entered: 8,30
